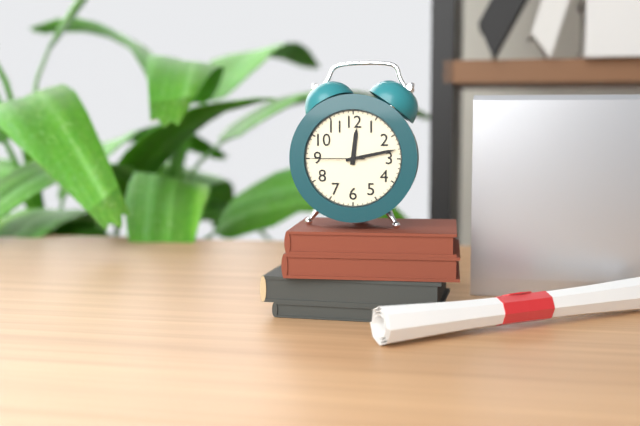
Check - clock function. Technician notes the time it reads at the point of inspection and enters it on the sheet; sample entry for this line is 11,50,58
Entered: 12,13,45
